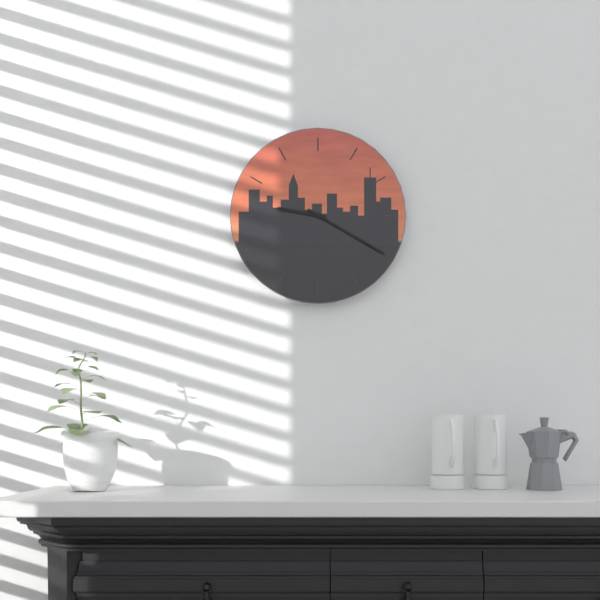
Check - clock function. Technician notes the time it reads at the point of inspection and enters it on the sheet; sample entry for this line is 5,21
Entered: 9,20
